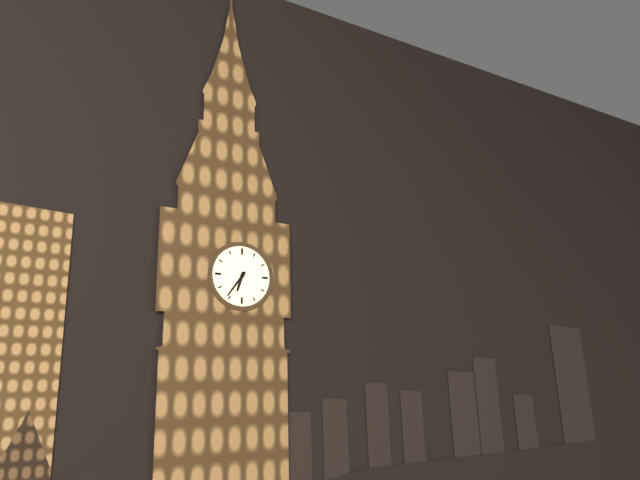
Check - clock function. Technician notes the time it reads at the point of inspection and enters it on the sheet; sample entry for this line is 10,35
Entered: 6,36
